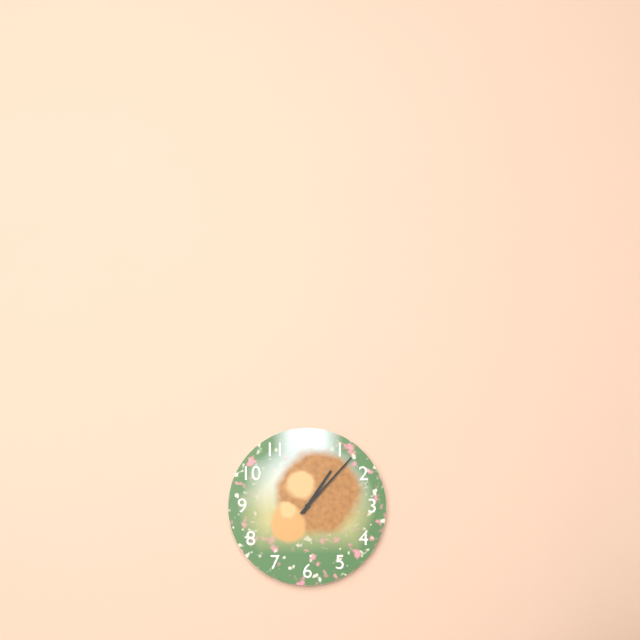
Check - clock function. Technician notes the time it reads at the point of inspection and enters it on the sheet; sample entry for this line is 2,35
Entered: 1,07
